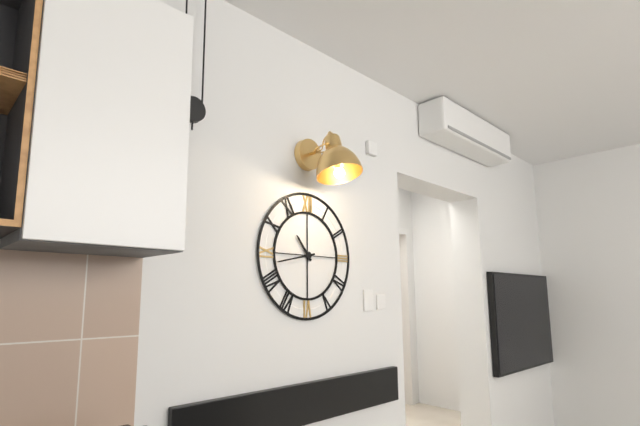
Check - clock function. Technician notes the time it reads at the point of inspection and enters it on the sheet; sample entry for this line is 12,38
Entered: 10,43
